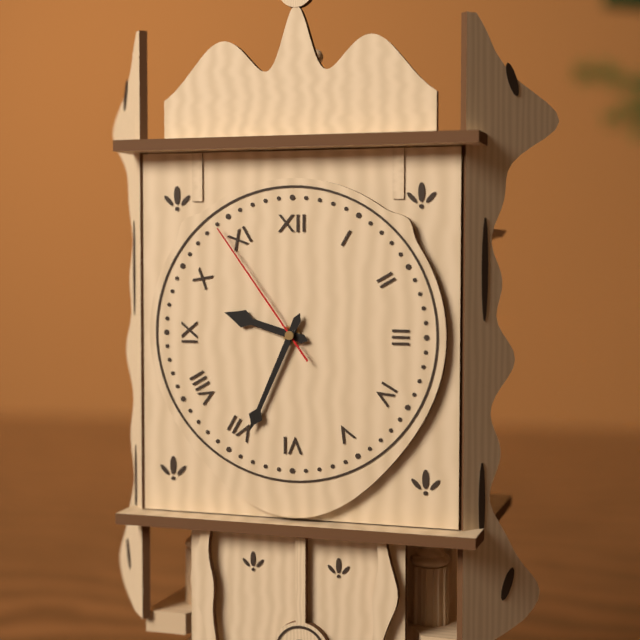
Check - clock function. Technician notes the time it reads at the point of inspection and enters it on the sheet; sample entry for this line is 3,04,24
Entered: 9,34,54
